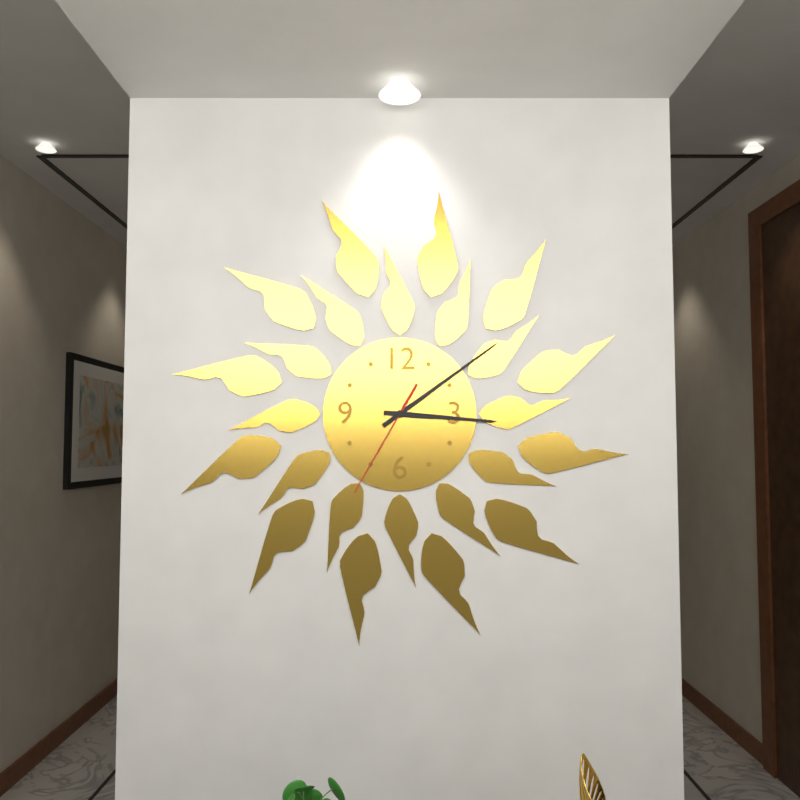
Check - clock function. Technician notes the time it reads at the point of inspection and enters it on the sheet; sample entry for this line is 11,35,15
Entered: 3,09,35
